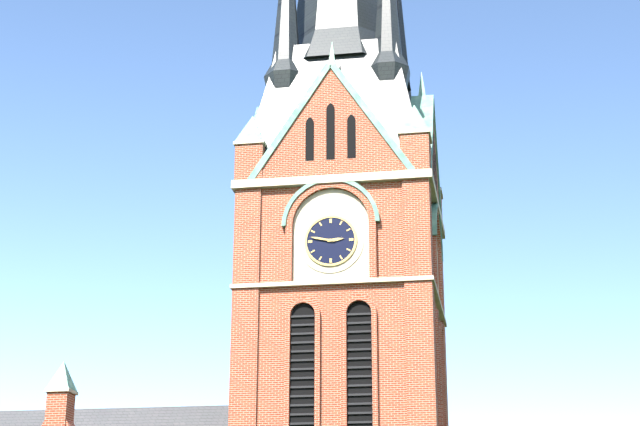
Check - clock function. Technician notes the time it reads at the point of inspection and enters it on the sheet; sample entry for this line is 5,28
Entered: 2,47
